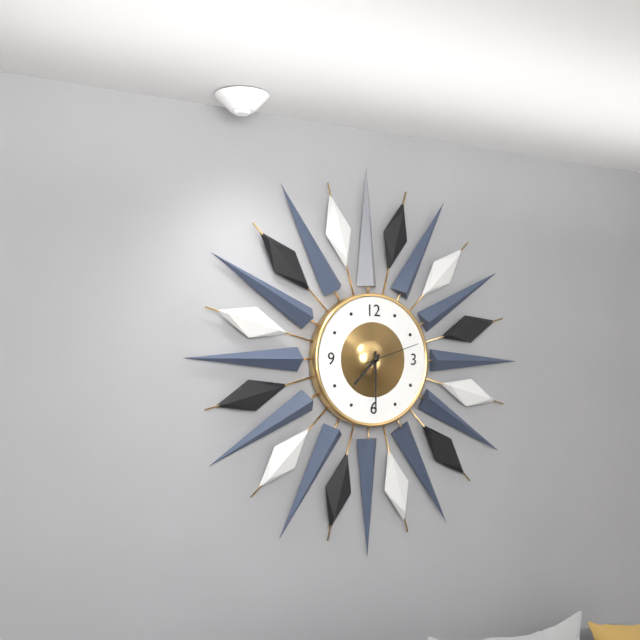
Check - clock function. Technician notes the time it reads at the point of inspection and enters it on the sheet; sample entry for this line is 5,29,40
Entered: 7,30,12
